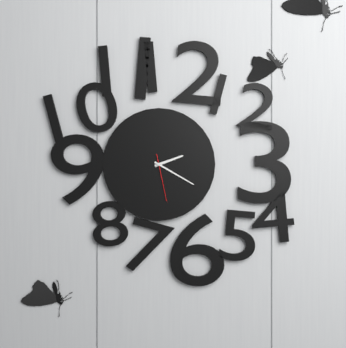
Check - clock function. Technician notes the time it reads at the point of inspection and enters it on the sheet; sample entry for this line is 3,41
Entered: 2,20
